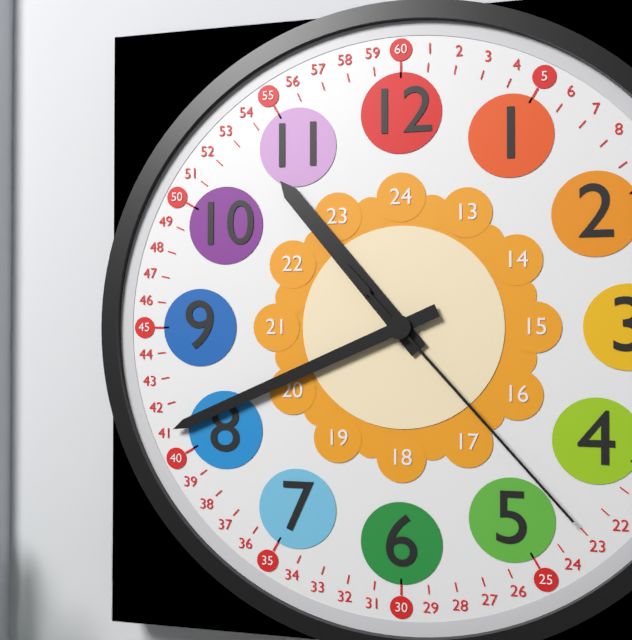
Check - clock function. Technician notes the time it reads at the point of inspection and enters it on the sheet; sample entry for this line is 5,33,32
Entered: 10,41,23
